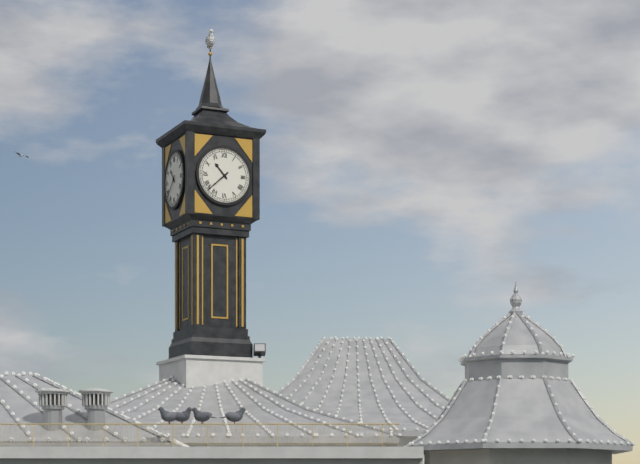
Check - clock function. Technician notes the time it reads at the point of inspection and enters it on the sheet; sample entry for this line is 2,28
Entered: 10,38
